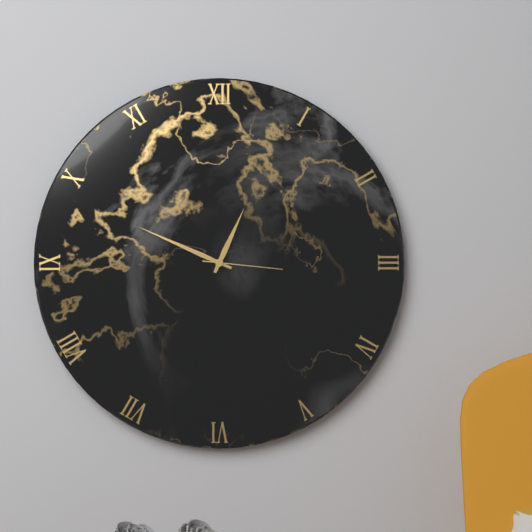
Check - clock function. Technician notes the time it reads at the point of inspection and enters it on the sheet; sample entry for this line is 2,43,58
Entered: 12,49,16
